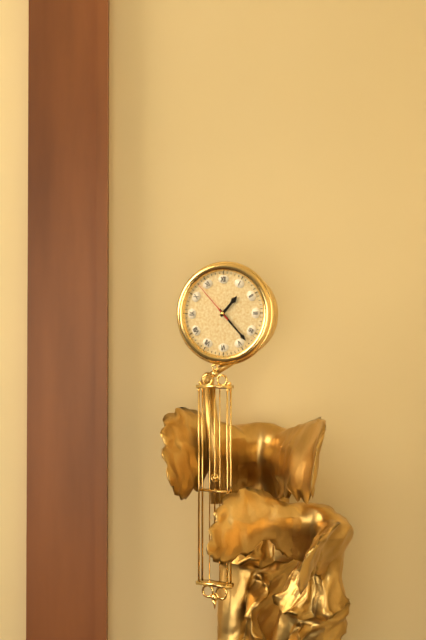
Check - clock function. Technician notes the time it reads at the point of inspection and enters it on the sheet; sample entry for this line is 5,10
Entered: 1,23
